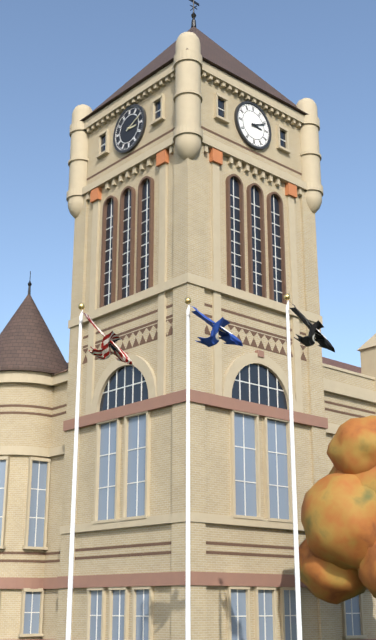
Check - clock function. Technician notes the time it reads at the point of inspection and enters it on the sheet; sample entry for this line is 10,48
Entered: 3,11
